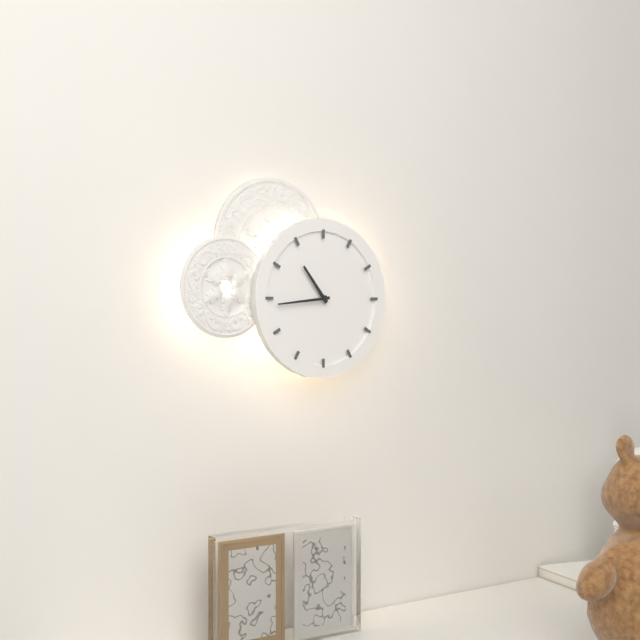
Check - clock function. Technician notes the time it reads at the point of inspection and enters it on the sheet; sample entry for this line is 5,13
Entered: 10,44
